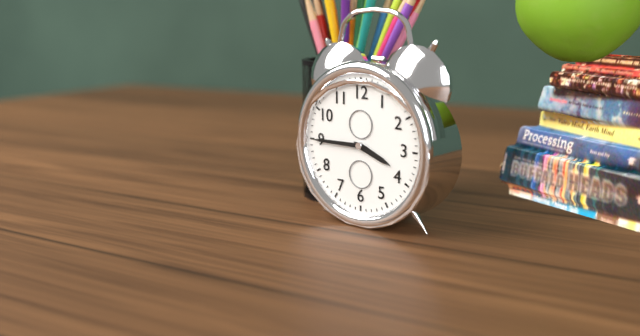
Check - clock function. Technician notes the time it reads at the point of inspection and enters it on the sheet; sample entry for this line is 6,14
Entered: 3,45
